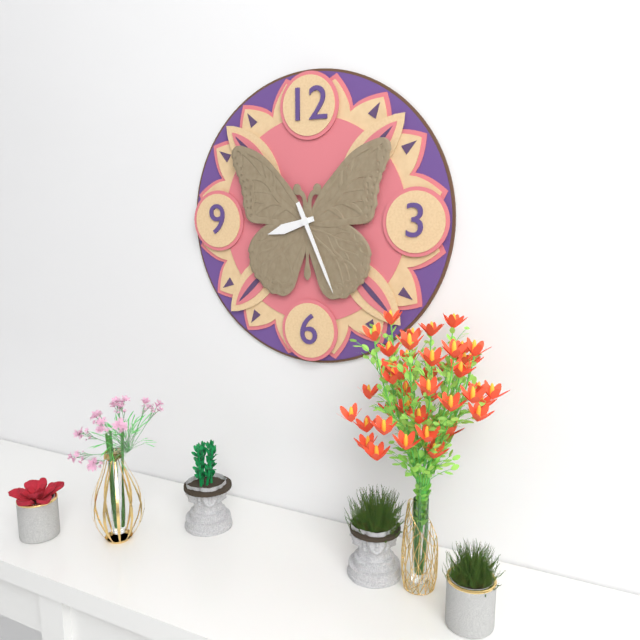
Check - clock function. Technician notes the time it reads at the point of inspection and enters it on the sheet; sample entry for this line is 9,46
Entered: 8,26
